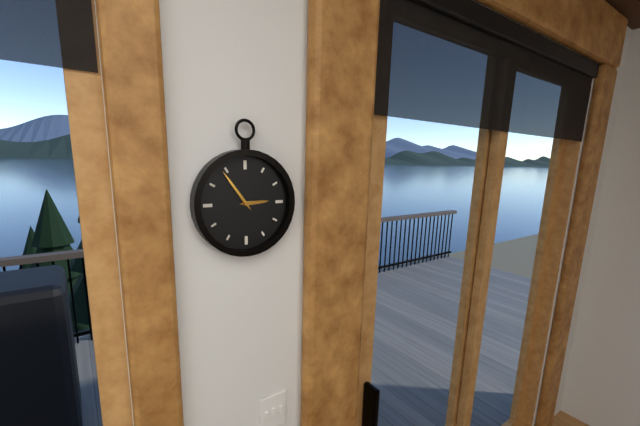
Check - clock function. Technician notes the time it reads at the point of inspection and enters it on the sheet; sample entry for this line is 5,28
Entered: 2,54
